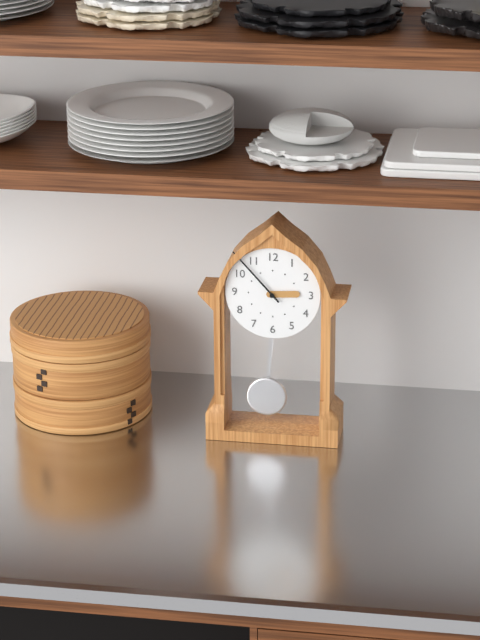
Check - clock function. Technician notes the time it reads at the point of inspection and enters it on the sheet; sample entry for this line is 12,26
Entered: 2,53
